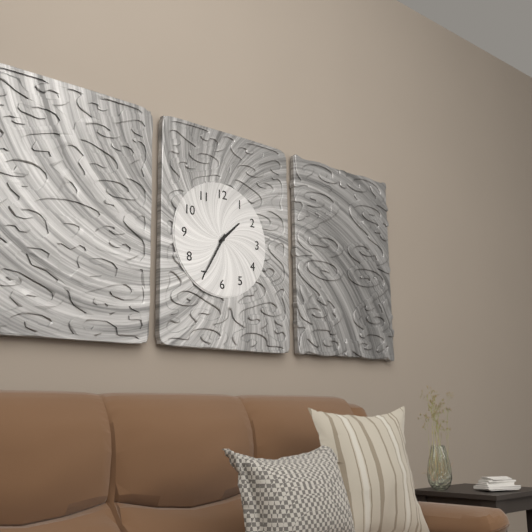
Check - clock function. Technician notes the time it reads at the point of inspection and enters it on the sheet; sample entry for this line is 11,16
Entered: 1,35
